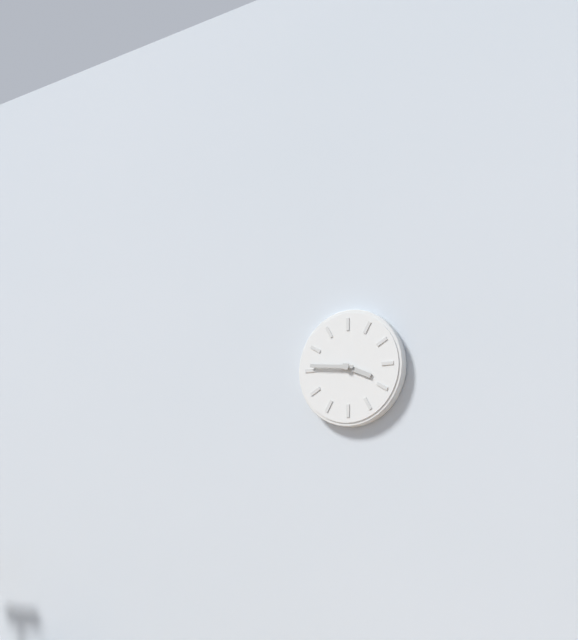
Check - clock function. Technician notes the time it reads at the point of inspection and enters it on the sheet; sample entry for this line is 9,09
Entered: 3,46
